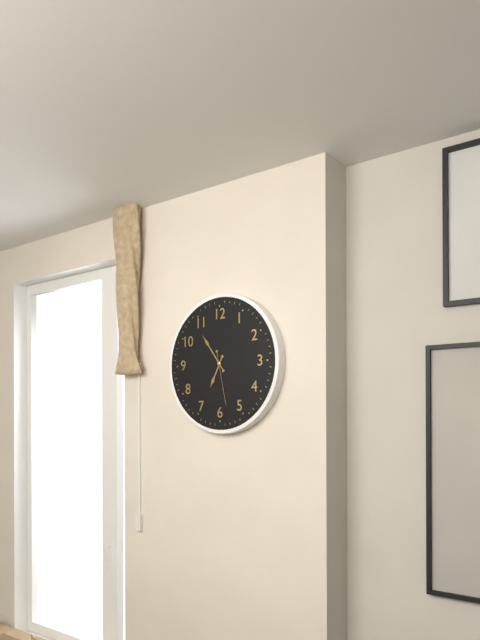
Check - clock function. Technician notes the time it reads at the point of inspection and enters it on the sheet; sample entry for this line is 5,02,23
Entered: 6,54,28
